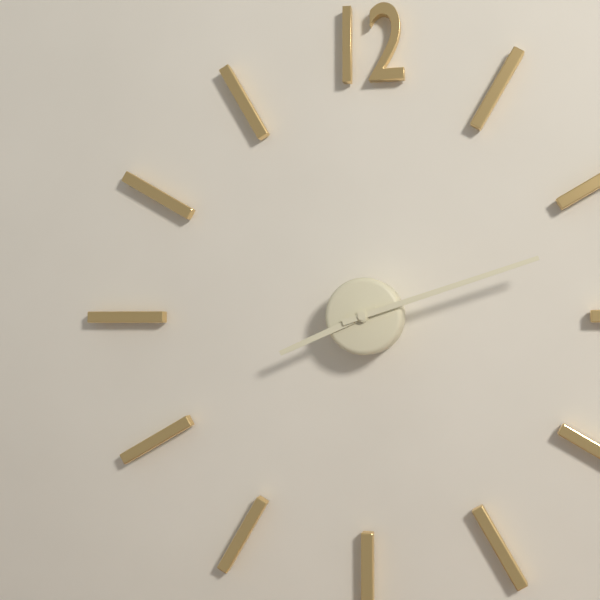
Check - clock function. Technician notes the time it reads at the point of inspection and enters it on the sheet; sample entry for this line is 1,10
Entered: 8,12
